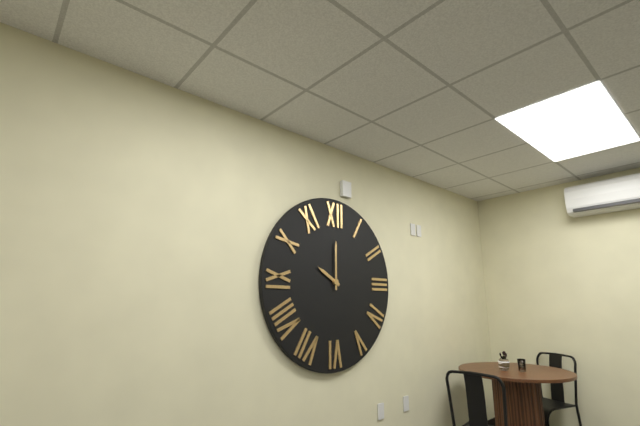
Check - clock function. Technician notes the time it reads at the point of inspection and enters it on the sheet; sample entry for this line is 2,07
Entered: 10,00
